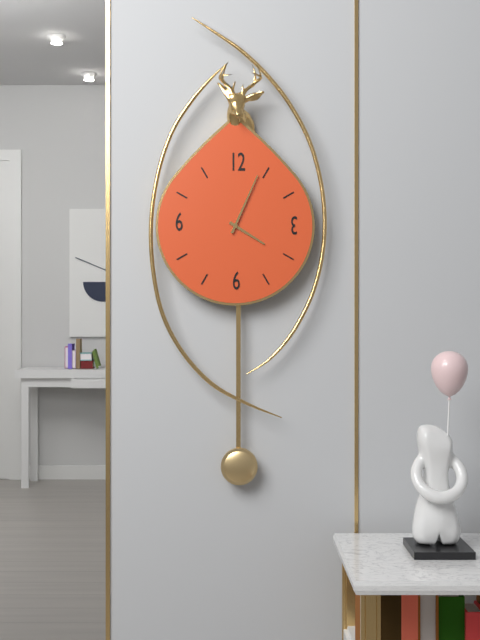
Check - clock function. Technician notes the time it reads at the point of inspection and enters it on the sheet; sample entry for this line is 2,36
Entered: 4,04
